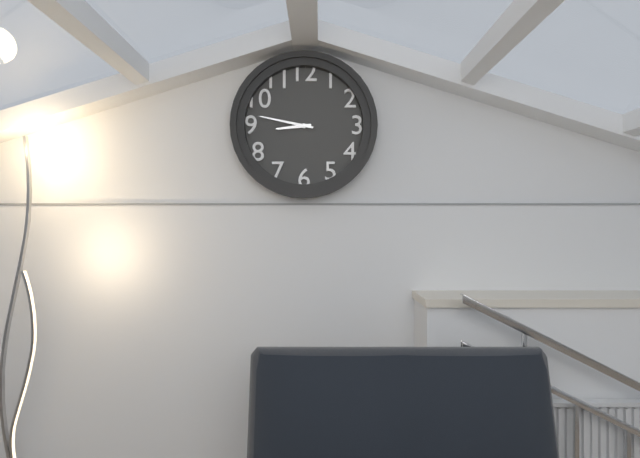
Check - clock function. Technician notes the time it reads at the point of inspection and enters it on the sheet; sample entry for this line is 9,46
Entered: 8,47
